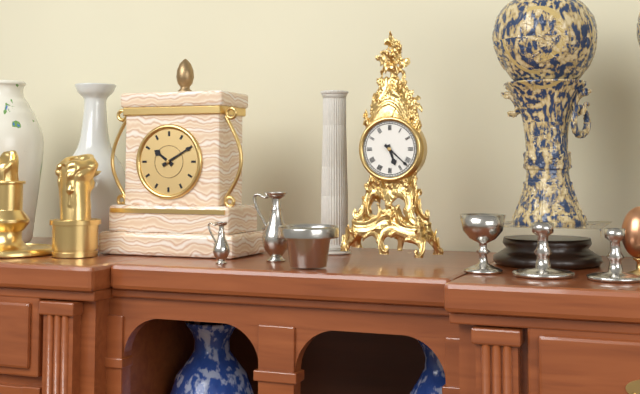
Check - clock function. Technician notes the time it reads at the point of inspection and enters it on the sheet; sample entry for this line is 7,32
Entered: 5,22
